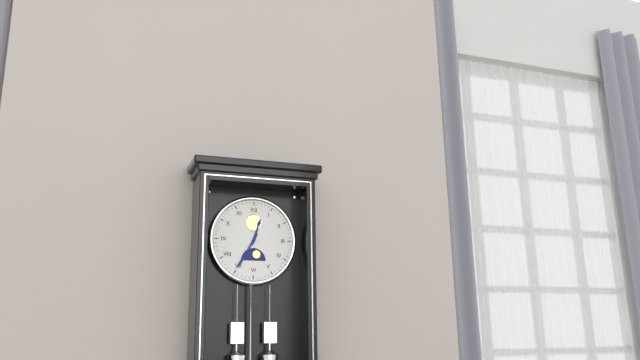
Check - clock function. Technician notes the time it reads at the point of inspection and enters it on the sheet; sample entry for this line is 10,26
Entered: 12,35
